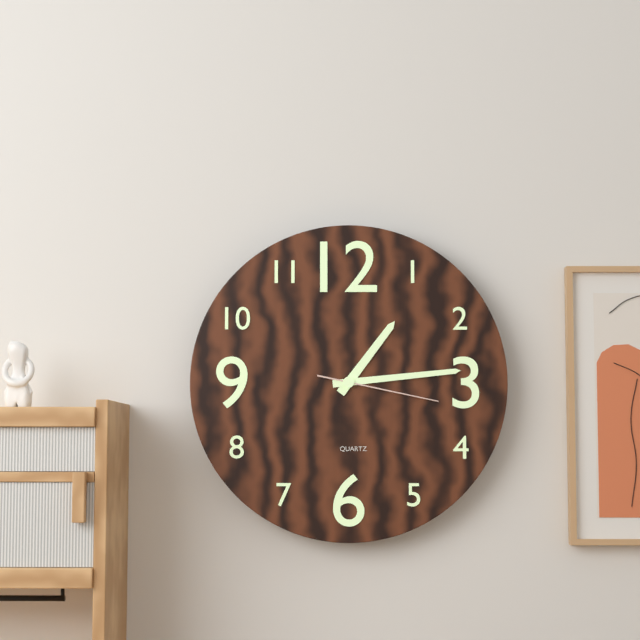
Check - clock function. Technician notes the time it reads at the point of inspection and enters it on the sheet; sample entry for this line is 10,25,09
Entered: 1,14,17
